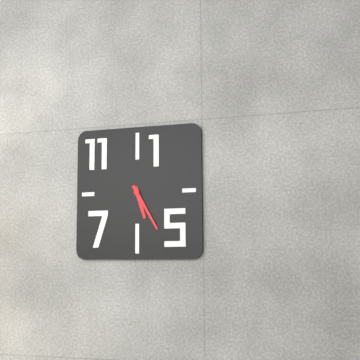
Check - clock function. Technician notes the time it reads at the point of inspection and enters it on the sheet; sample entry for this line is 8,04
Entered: 5,25
